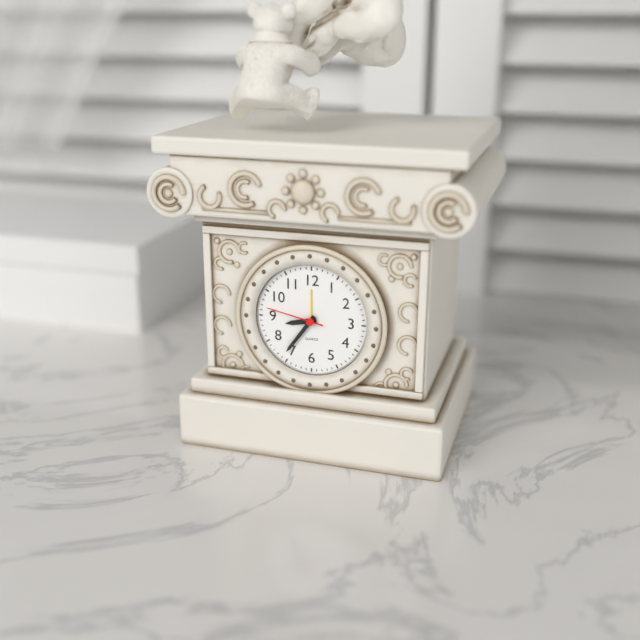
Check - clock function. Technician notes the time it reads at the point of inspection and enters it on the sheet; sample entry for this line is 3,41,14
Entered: 8,36,47
